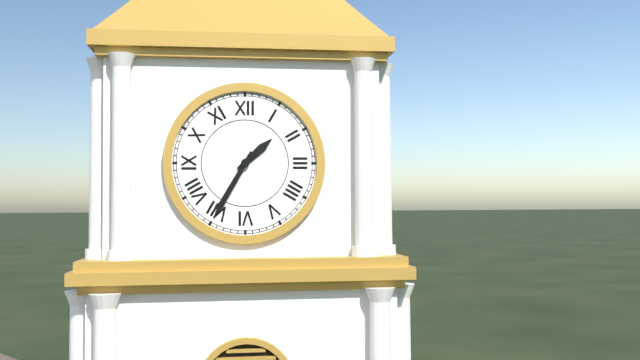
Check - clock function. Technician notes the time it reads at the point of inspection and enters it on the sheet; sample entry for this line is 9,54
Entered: 1,35
